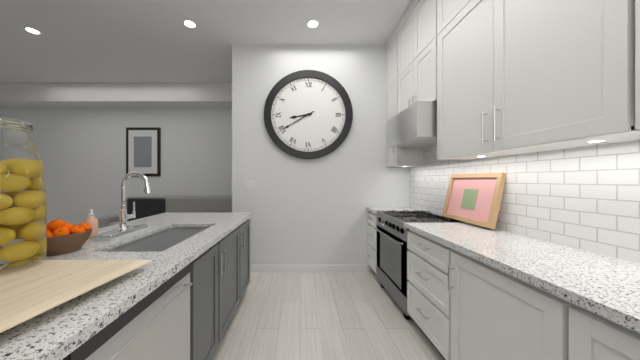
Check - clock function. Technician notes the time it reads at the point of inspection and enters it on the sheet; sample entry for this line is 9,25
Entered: 8,40
